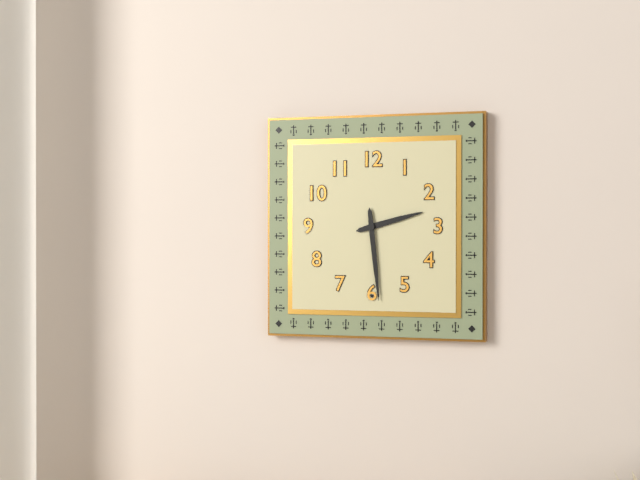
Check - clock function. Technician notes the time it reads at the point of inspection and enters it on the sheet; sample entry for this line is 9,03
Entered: 2,29
